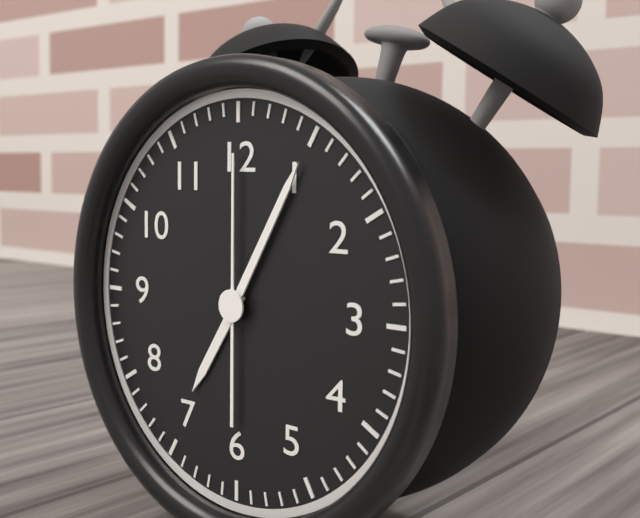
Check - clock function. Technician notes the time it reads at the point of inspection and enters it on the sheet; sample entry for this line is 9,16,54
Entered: 7,05,00
